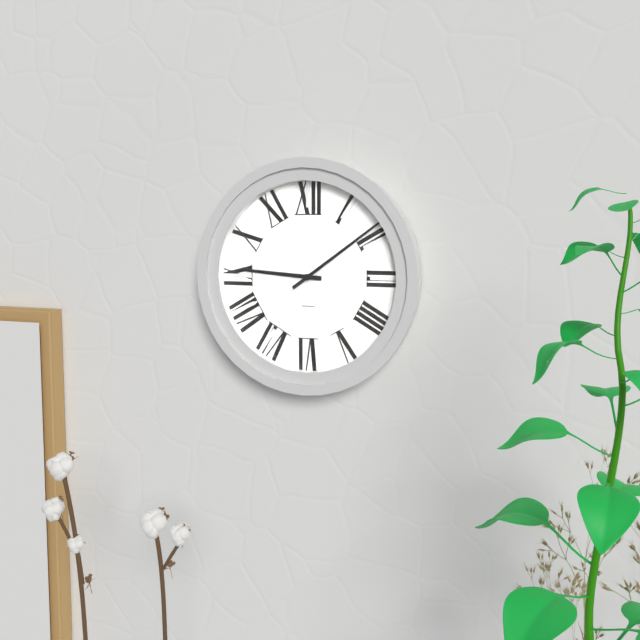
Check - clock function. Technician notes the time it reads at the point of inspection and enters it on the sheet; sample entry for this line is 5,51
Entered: 9,09
